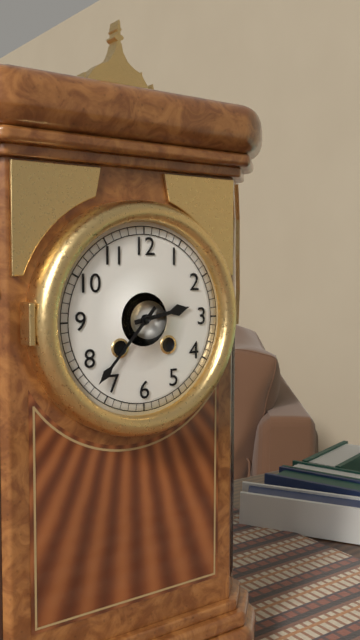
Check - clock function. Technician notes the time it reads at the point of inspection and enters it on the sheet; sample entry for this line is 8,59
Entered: 2,37
